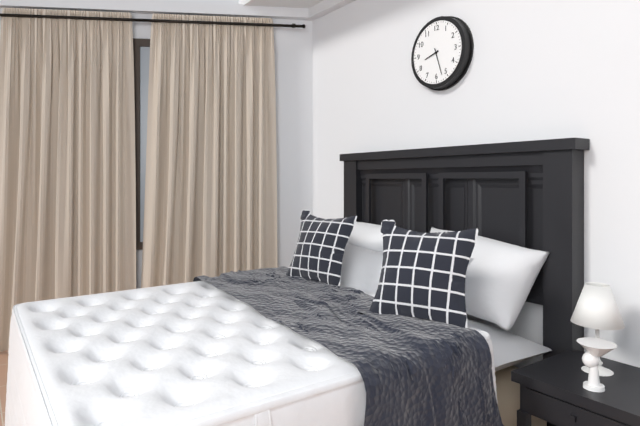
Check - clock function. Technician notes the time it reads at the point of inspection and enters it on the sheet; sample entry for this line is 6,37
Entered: 8,27
